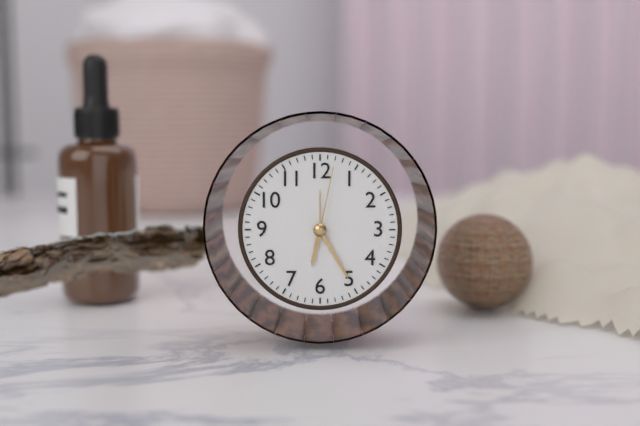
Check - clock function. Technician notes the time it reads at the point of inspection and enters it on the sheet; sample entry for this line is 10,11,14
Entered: 6,25,02
